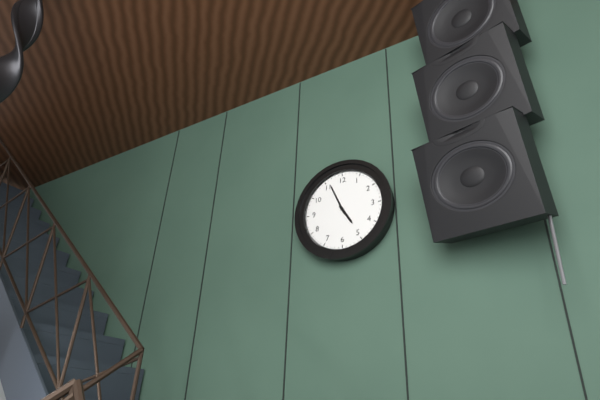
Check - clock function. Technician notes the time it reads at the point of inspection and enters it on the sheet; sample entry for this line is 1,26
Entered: 4,56
